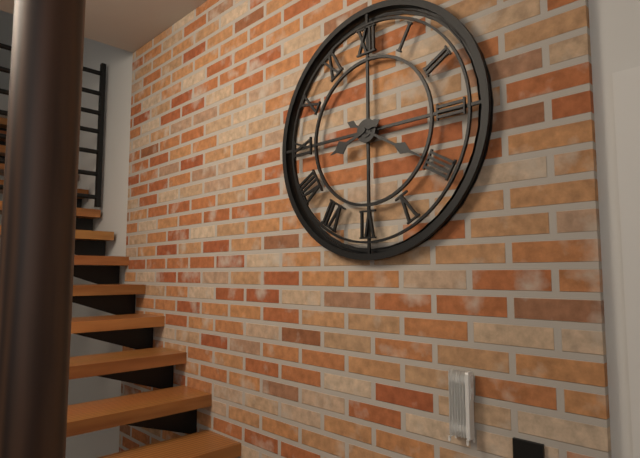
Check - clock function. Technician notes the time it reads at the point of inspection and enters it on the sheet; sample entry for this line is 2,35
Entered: 8,20
